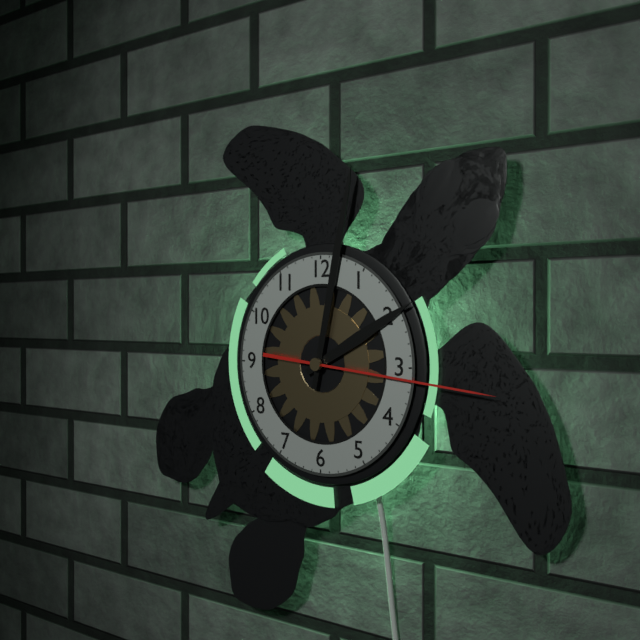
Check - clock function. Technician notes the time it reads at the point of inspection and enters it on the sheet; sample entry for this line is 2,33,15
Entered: 2,02,16
